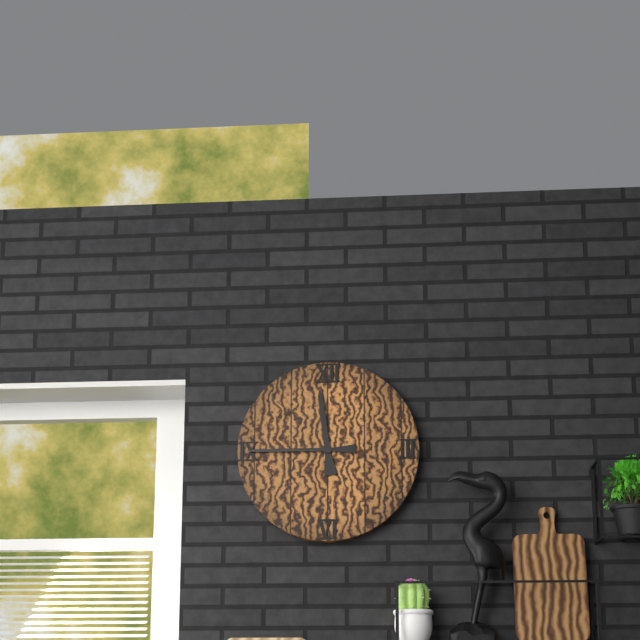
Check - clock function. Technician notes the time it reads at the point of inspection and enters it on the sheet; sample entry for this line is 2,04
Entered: 11,45
